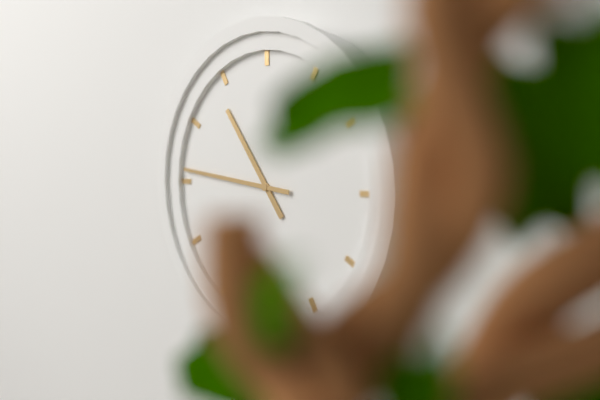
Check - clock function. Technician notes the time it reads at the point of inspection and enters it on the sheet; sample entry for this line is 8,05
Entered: 10,46
